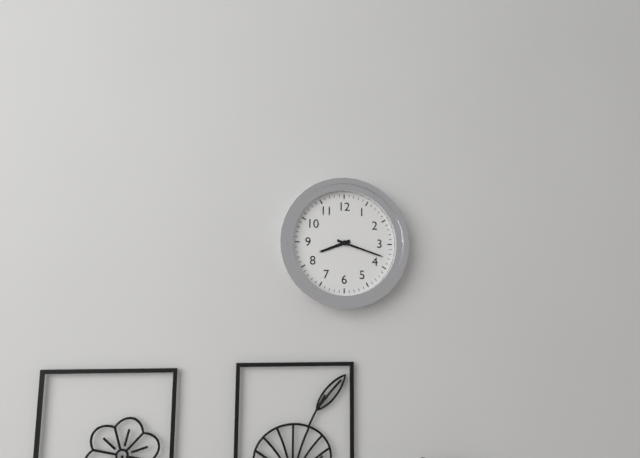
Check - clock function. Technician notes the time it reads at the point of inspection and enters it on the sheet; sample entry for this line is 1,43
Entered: 8,18
